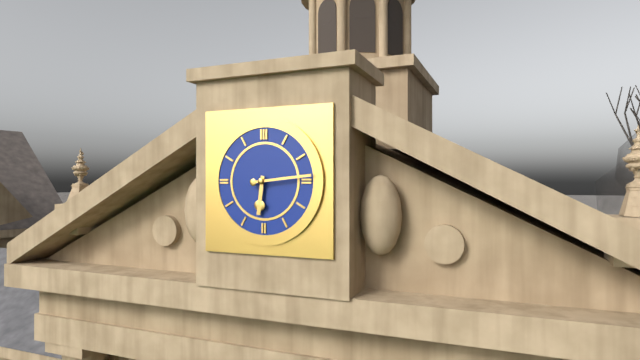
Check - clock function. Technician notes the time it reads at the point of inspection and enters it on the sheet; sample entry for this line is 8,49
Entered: 6,14
